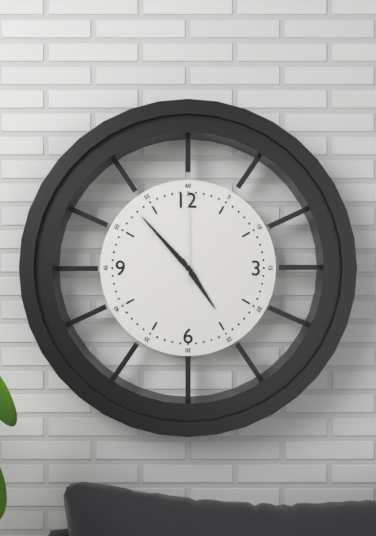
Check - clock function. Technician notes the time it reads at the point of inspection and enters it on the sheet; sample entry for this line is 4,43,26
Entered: 4,53,00
